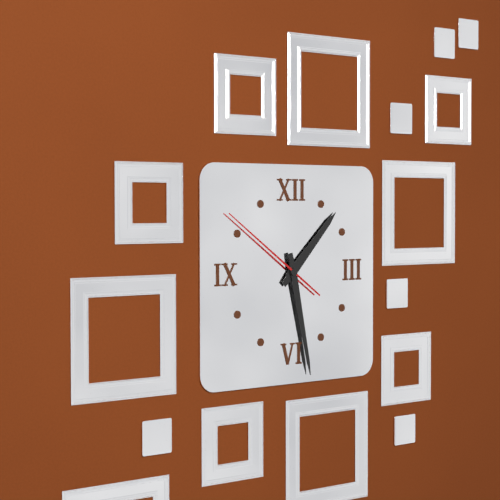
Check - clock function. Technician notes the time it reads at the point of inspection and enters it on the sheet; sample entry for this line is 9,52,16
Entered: 1,28,51
